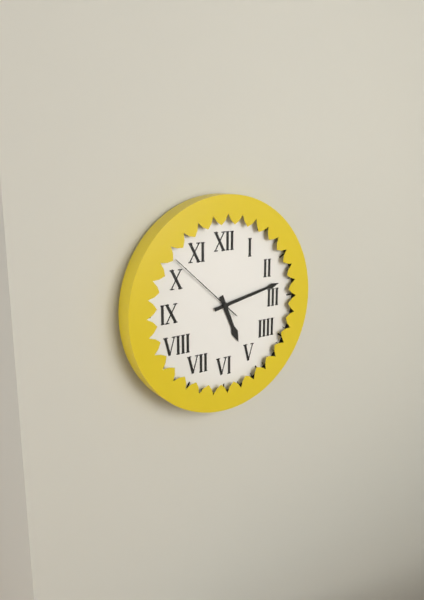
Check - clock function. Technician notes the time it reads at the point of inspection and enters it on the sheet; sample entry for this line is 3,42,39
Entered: 5,13,52
